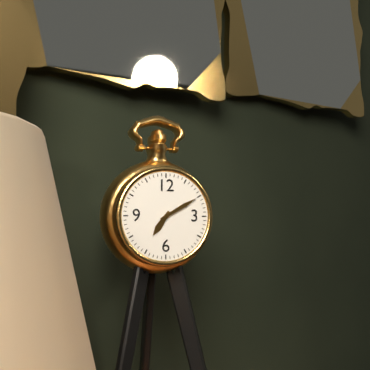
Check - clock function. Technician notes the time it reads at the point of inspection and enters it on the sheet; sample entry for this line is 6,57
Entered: 7,10
